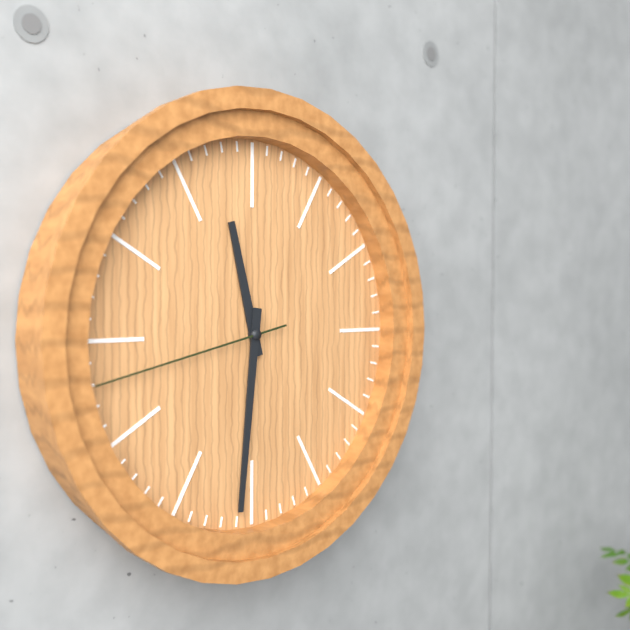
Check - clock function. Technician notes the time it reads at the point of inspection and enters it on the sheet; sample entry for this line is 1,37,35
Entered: 11,31,43
